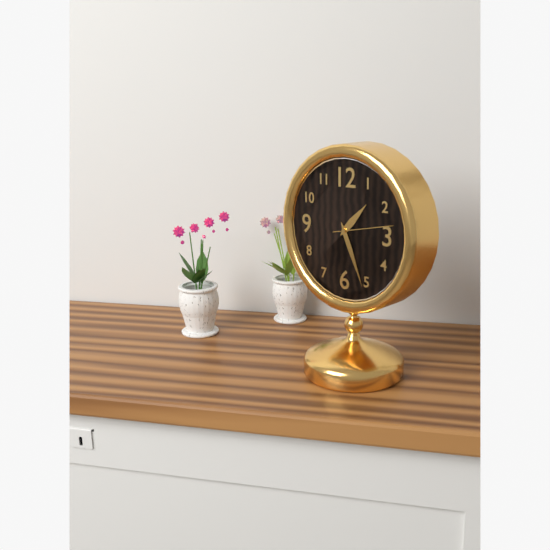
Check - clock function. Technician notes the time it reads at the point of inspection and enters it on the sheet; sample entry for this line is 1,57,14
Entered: 1,26,13
